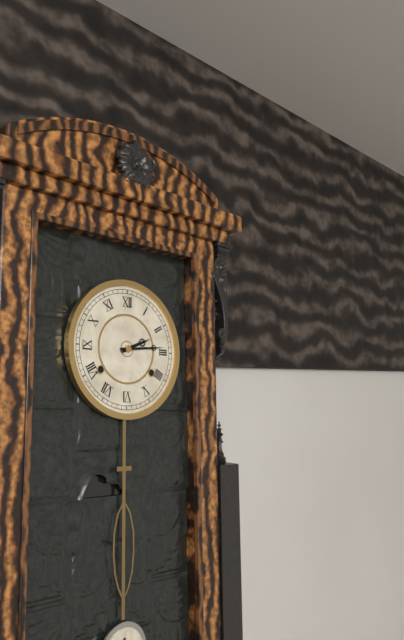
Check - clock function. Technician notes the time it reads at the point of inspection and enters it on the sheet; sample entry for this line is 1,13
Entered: 2,14
